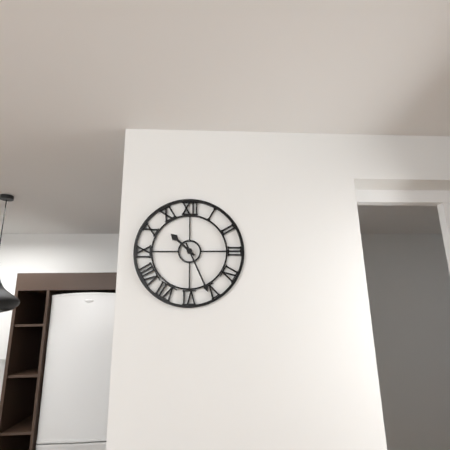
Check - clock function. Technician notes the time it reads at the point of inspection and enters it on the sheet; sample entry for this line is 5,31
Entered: 10,26
